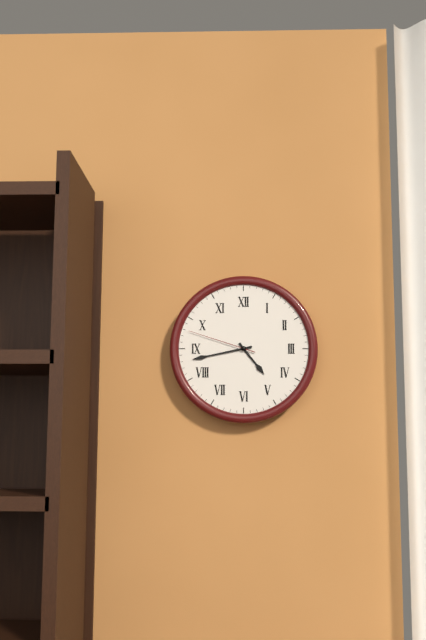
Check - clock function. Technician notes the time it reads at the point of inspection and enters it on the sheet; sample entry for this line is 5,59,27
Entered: 4,43,48
